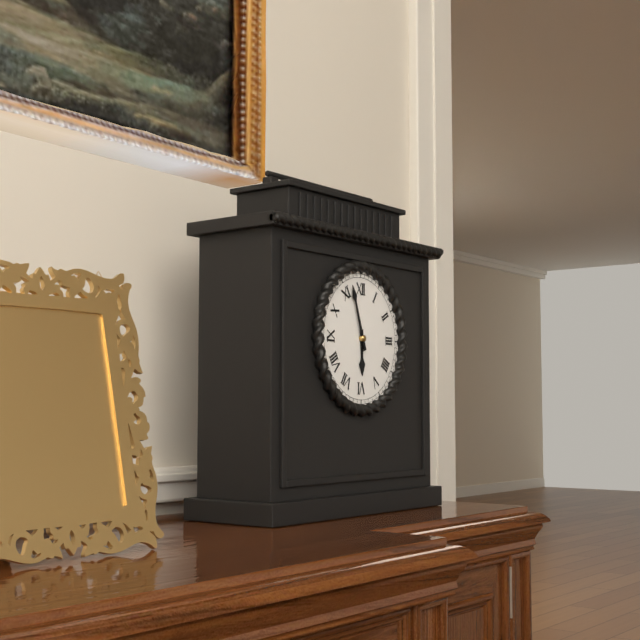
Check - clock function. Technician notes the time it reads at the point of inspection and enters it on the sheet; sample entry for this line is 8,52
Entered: 5,57
